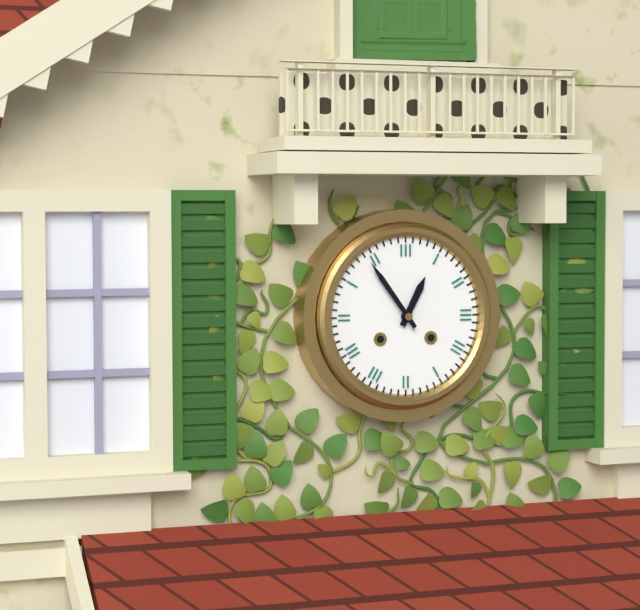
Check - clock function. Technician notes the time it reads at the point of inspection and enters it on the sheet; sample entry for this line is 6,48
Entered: 12,54
